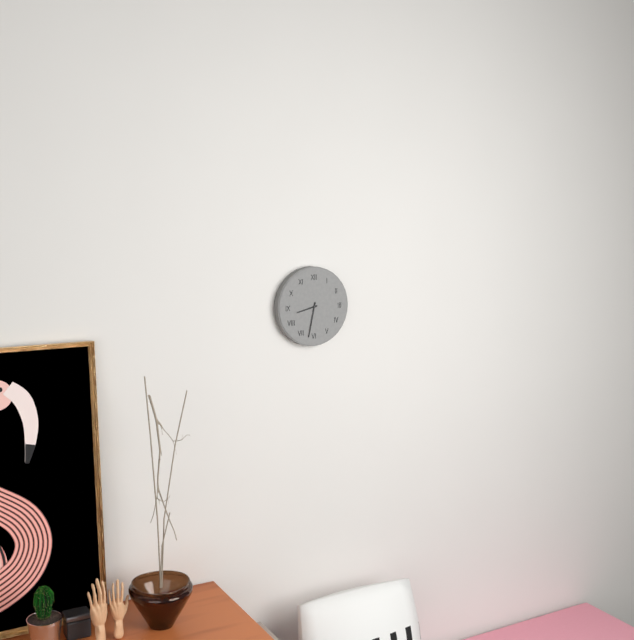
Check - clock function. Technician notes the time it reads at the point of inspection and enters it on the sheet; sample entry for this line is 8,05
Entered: 8,32
